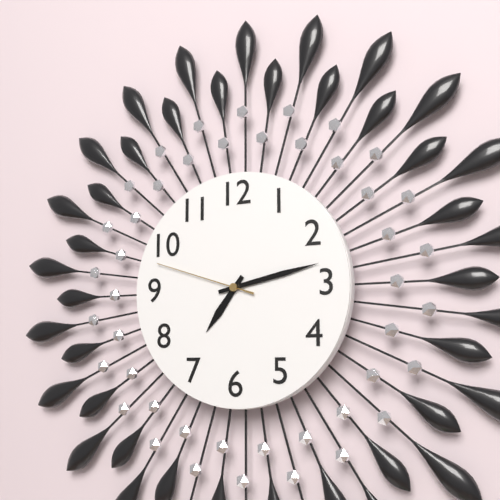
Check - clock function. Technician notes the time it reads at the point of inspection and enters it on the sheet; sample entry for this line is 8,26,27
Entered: 7,13,48
